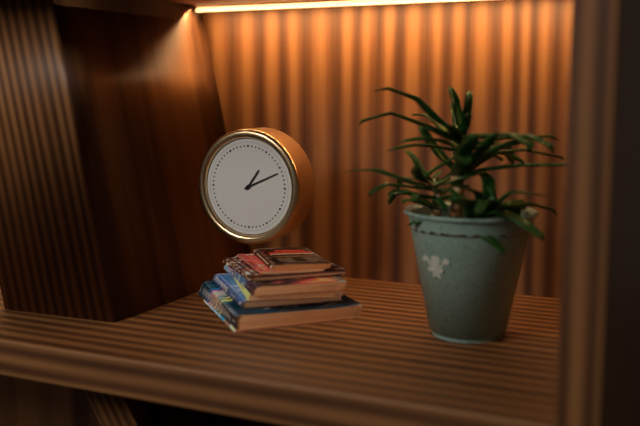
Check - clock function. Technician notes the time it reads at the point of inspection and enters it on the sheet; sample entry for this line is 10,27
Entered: 1,11
